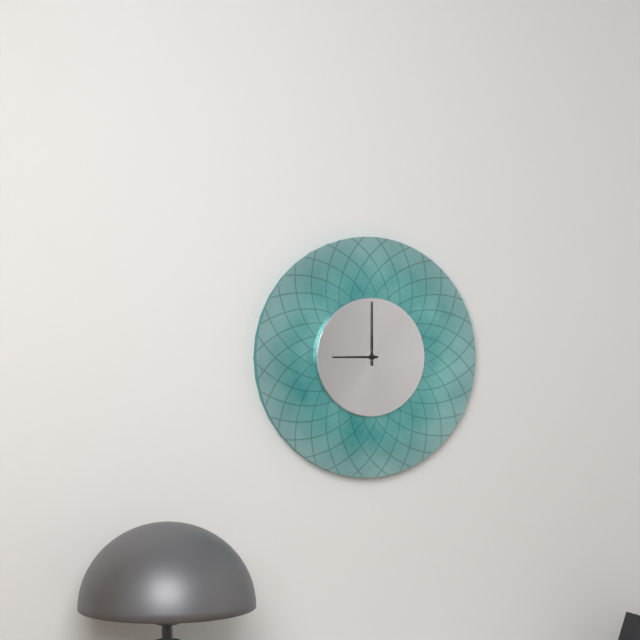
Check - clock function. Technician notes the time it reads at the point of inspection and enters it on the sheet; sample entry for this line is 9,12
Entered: 9,00
